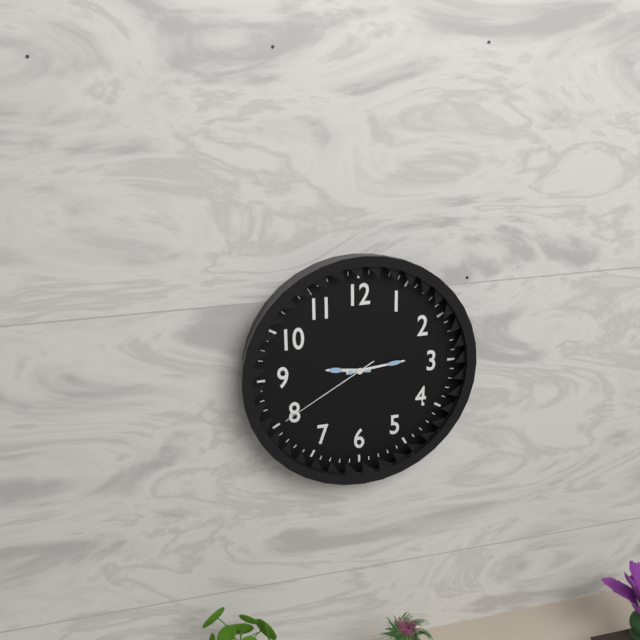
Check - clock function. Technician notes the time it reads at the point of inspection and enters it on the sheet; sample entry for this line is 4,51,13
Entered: 9,14,40
